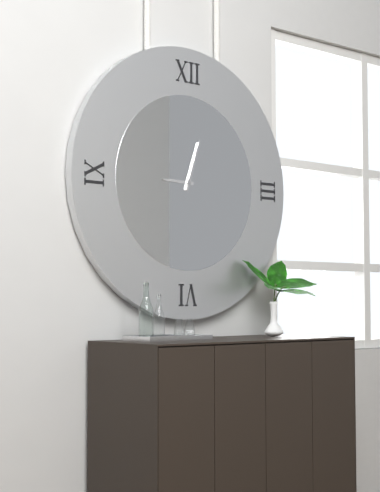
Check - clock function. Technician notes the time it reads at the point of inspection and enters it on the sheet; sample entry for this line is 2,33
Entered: 9,03
